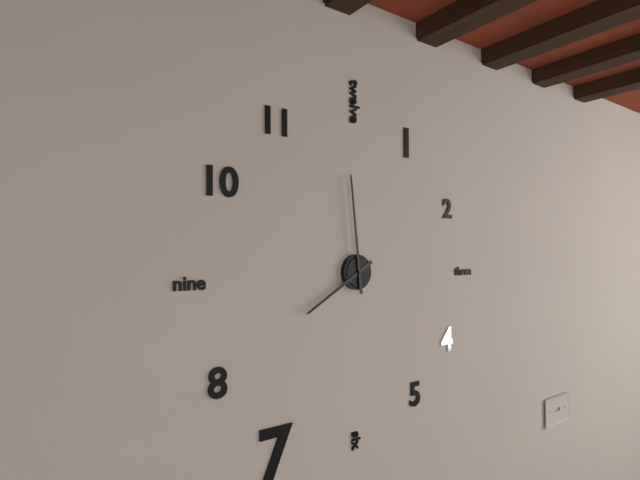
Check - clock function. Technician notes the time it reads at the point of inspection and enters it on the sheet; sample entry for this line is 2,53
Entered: 7,59
